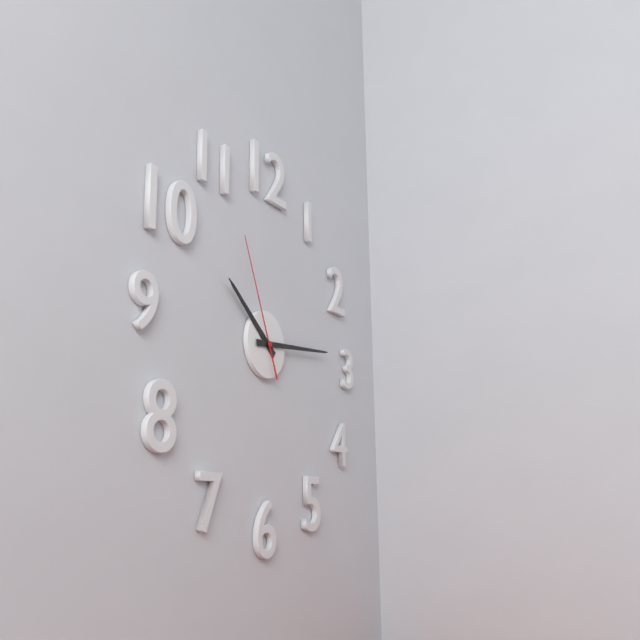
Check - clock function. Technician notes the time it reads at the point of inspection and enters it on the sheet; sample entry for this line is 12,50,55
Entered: 10,14,56
